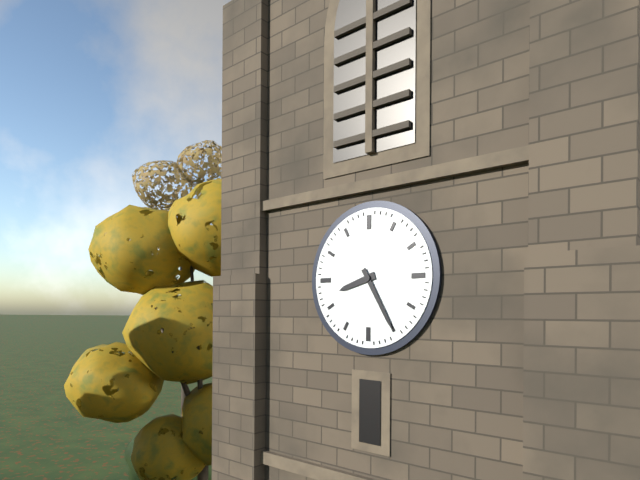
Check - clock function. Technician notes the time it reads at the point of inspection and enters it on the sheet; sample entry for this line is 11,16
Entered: 8,25
